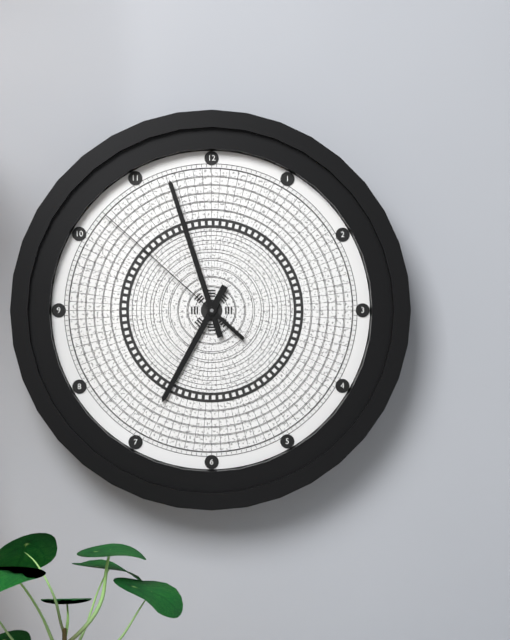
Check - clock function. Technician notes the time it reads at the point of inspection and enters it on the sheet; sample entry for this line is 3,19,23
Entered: 6,57,52
